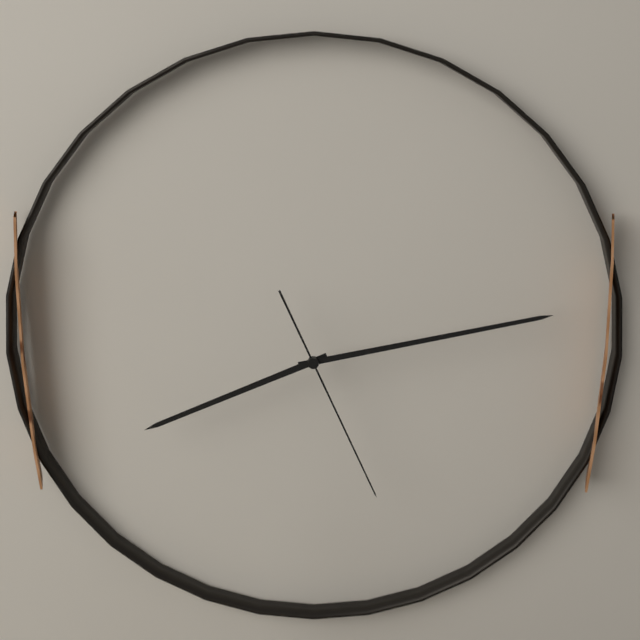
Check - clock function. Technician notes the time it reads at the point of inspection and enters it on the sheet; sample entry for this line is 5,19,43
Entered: 8,13,26
